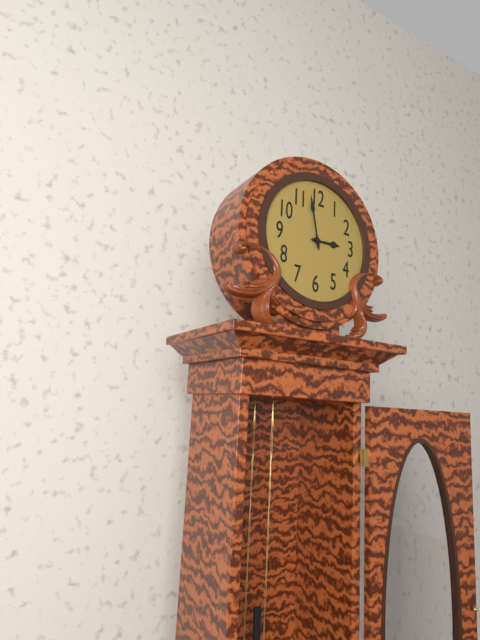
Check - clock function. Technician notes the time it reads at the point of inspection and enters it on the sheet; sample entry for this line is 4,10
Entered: 2,58
